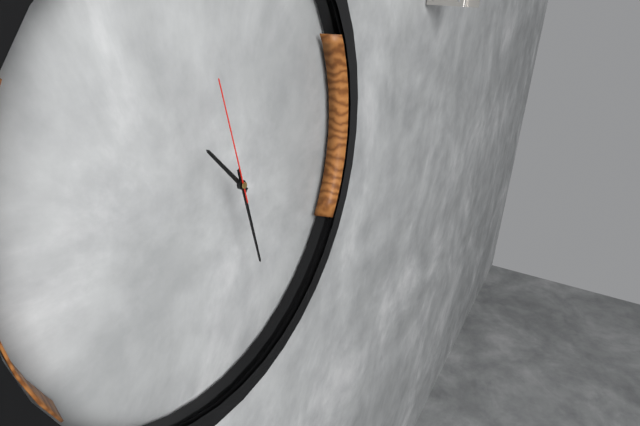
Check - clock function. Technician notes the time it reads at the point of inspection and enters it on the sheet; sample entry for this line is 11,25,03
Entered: 10,27,57
